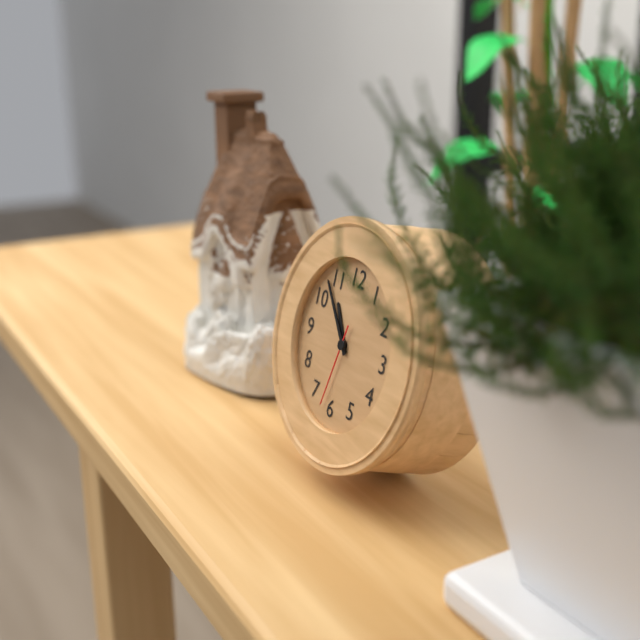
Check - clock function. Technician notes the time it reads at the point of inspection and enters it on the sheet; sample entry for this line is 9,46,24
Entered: 10,53,32
